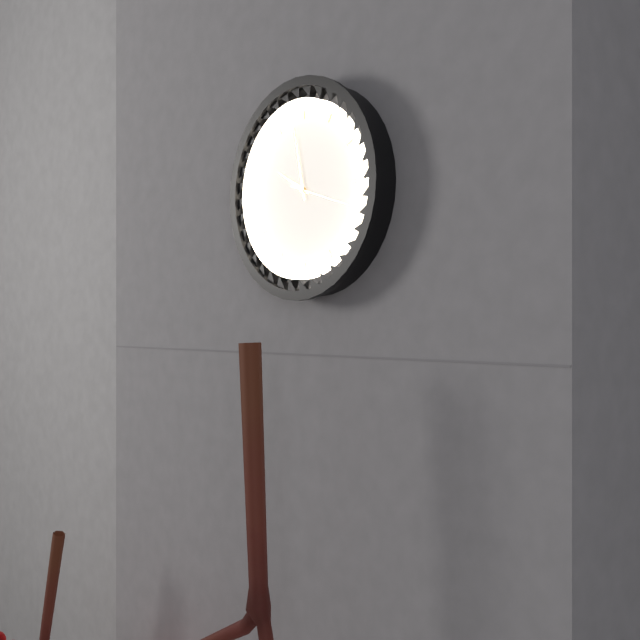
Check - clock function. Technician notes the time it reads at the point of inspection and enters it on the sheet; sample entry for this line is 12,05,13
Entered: 9,58,18
